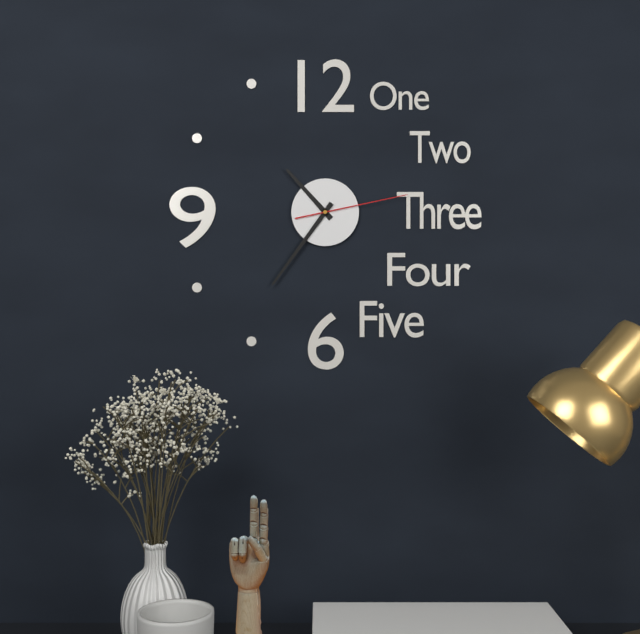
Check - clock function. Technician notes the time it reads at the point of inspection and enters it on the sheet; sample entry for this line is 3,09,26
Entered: 10,36,13
